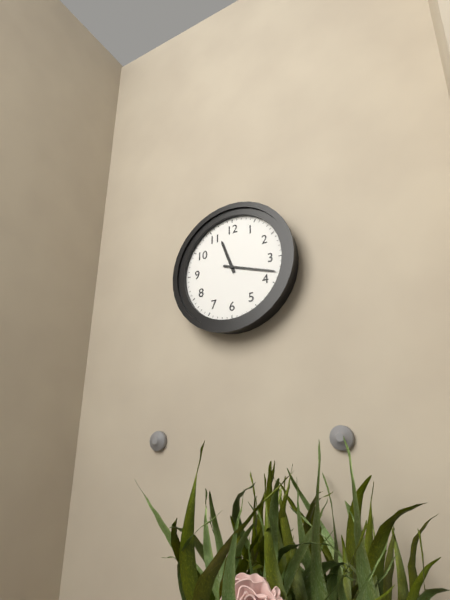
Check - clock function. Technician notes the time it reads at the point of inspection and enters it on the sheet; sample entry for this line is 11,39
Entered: 11,18
